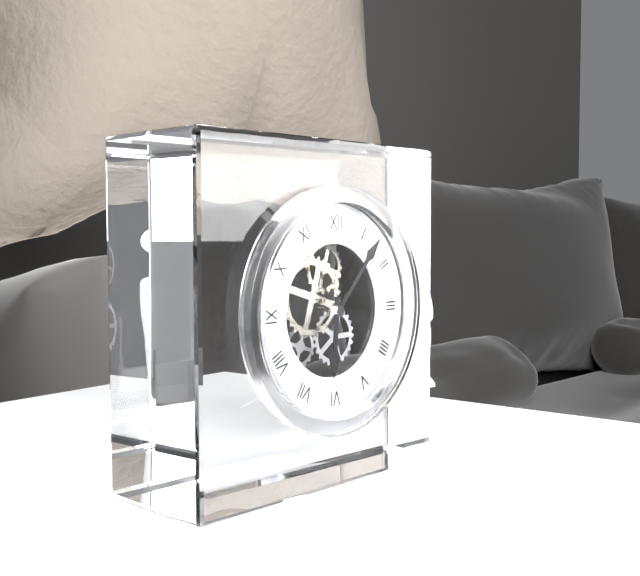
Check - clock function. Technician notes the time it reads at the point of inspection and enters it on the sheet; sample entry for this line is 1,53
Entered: 6,07
